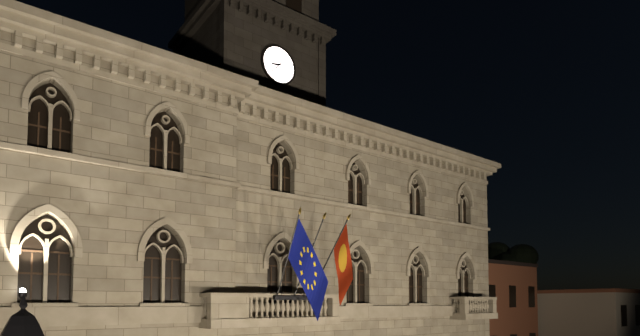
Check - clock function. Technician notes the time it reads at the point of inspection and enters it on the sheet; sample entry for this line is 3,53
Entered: 8,37
